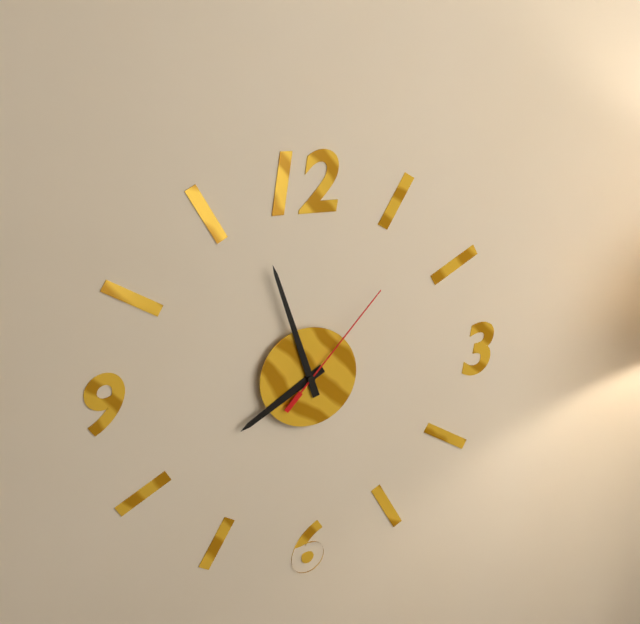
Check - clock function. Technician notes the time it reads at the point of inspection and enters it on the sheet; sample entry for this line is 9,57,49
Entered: 7,57,07
